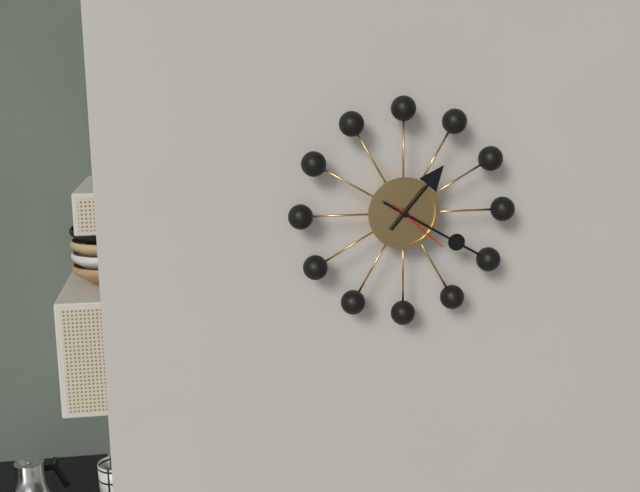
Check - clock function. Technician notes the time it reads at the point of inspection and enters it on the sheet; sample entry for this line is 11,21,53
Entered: 1,20,22
